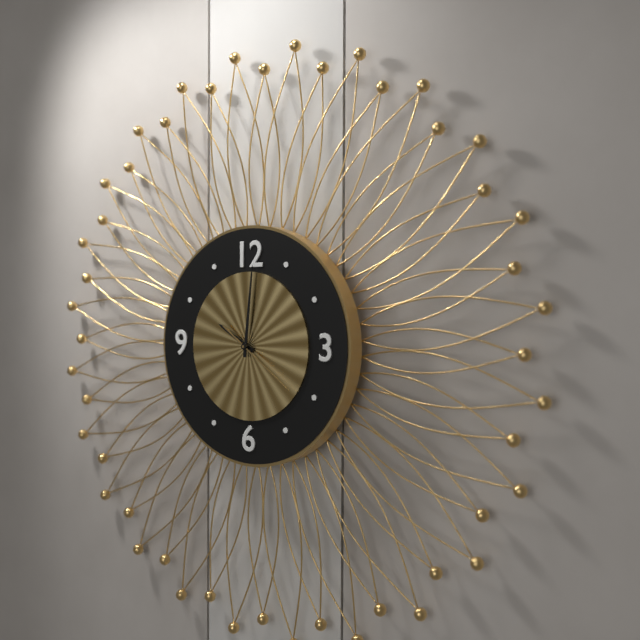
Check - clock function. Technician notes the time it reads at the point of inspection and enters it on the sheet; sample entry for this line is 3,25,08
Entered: 10,01,21
